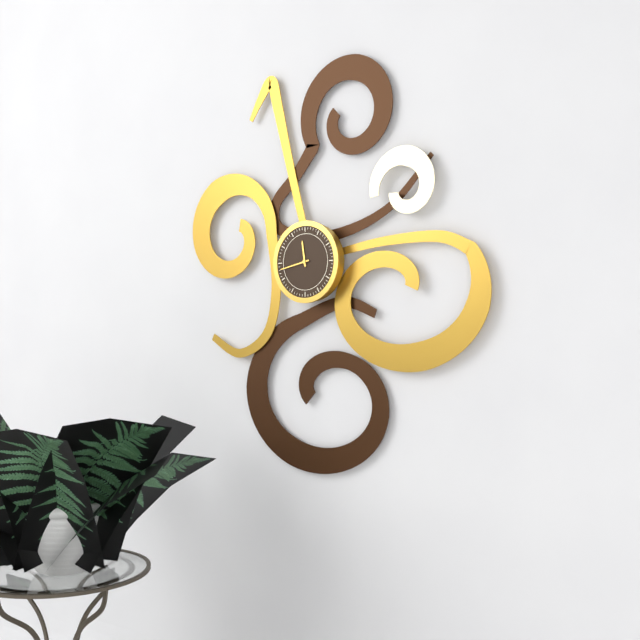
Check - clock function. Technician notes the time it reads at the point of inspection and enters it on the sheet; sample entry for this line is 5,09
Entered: 11,43
